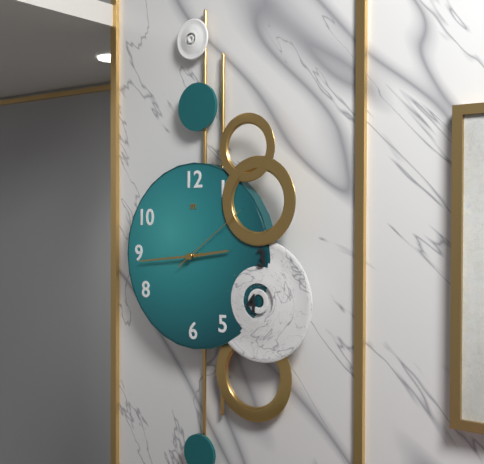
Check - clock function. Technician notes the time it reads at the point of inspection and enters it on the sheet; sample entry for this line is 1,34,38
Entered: 2,44,09
